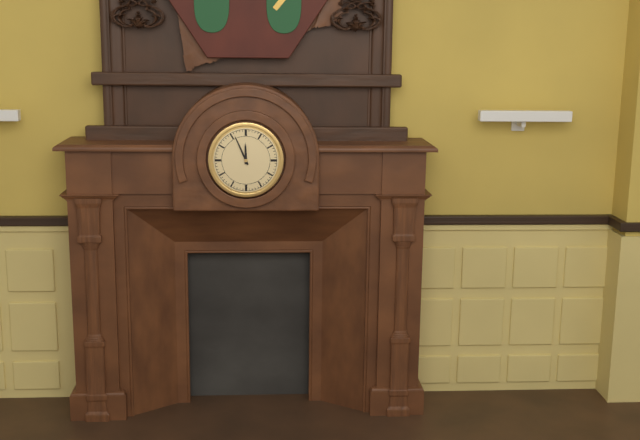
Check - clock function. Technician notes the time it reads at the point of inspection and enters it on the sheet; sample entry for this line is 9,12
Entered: 11,56
